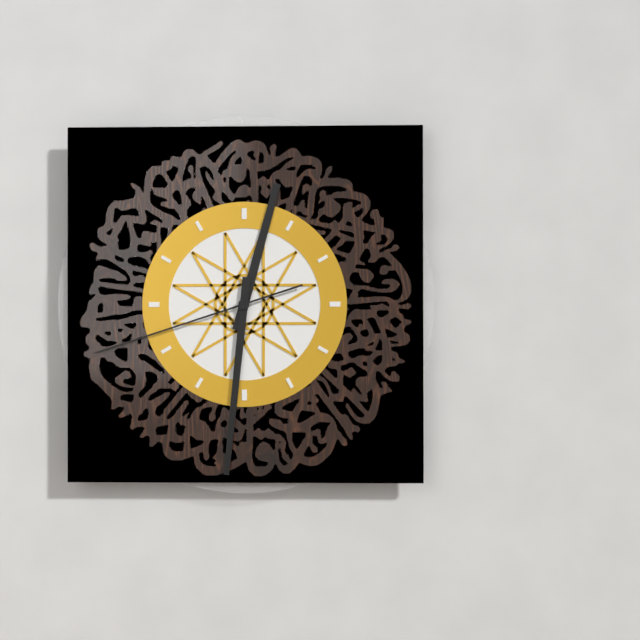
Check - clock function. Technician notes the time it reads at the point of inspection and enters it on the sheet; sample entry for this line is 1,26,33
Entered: 12,31,42
